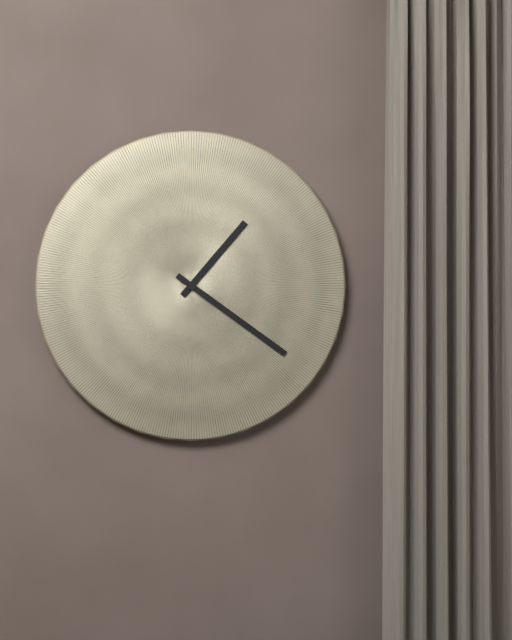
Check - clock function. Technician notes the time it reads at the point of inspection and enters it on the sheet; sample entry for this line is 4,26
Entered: 1,21
